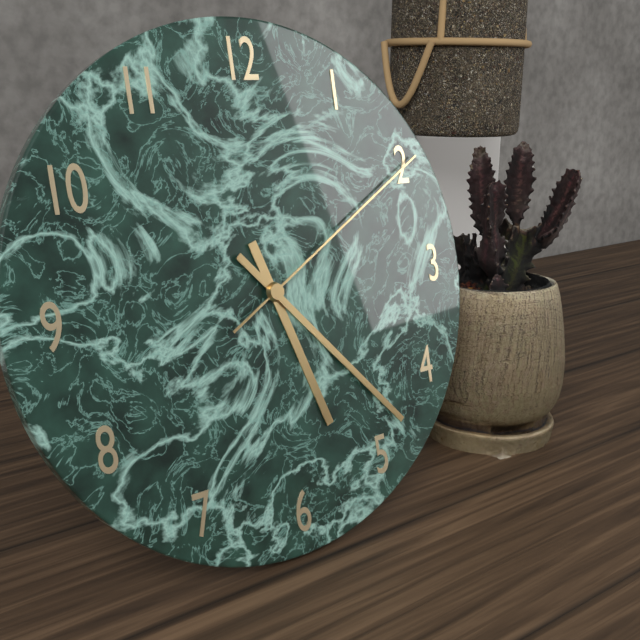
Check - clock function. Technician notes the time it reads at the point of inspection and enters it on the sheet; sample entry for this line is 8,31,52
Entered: 5,23,10
